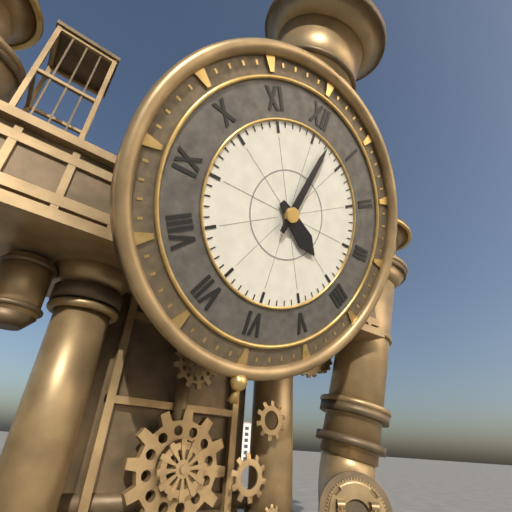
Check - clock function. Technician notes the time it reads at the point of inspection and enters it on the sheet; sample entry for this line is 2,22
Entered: 4,02
